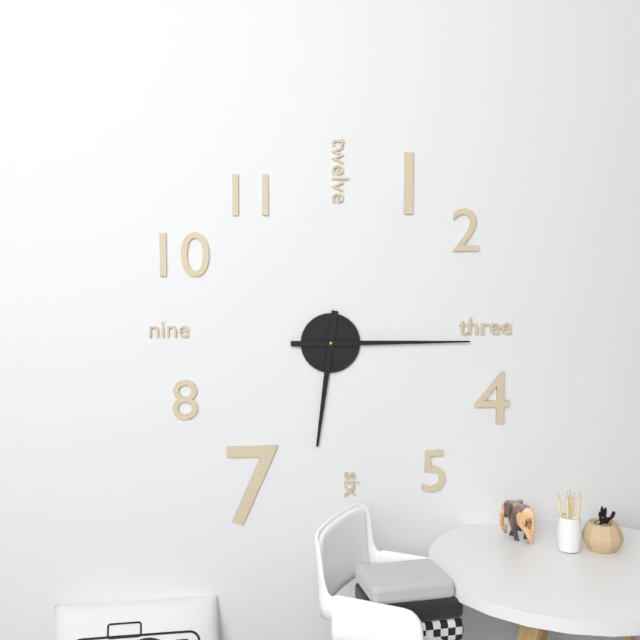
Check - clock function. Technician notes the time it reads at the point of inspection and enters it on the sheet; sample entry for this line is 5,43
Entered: 6,15
